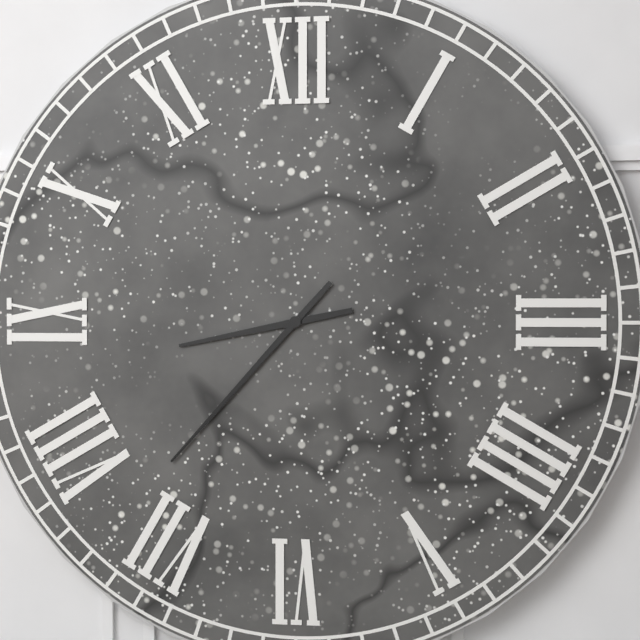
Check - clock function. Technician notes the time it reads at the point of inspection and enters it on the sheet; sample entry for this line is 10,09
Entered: 8,37
